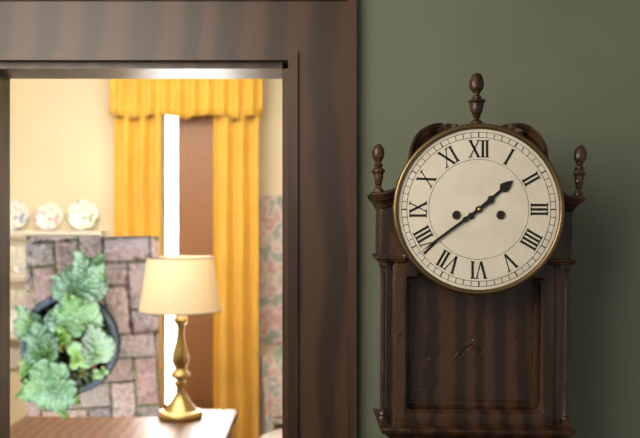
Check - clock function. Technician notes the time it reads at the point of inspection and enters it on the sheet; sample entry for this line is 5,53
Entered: 1,39
